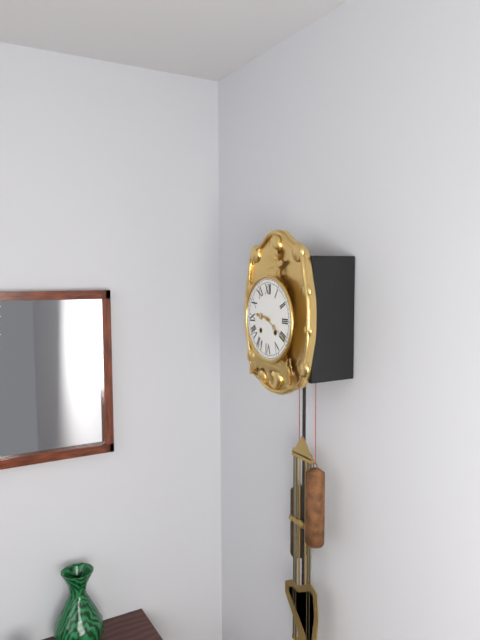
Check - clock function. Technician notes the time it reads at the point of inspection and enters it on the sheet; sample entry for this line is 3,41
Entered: 9,20
